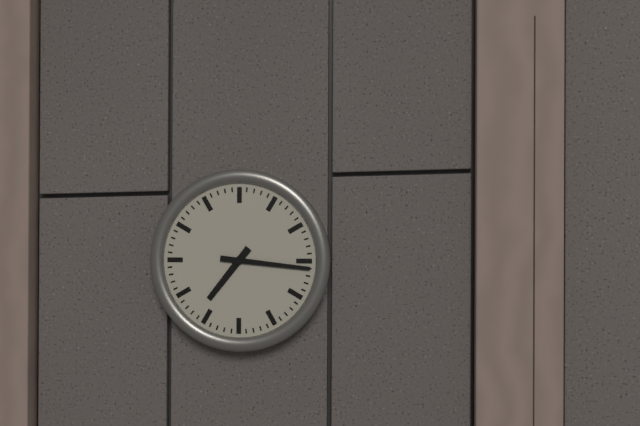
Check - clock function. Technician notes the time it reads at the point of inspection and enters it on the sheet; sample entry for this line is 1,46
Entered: 7,16
